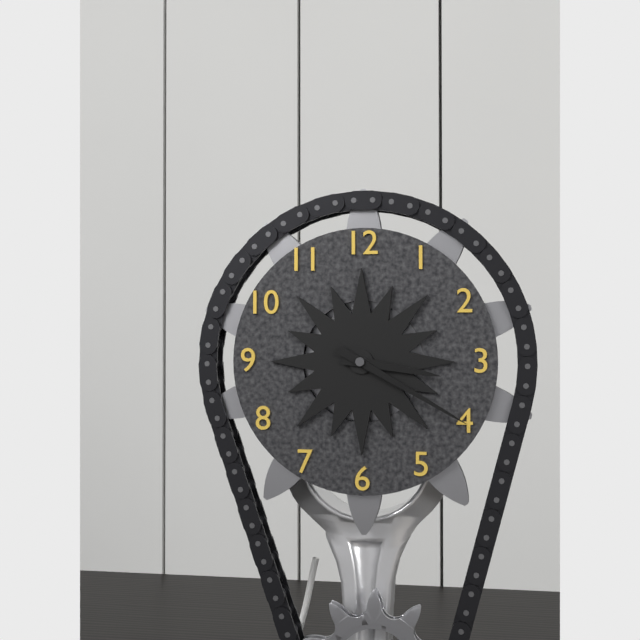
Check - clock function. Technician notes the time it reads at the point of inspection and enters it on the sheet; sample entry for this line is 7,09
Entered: 3,20
